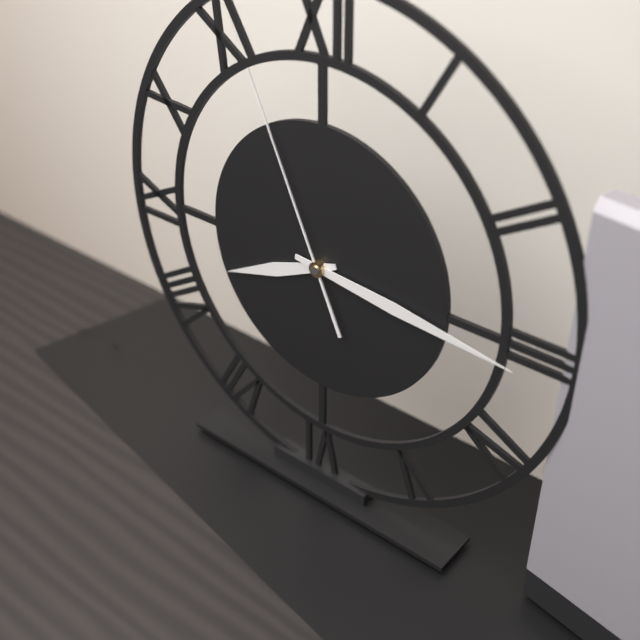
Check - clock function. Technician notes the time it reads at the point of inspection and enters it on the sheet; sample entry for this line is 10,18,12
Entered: 8,16,56
